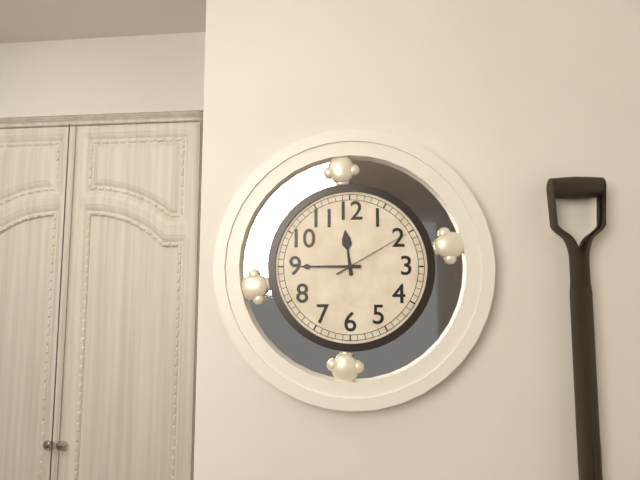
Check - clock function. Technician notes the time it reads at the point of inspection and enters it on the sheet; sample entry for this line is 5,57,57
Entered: 11,45,10
